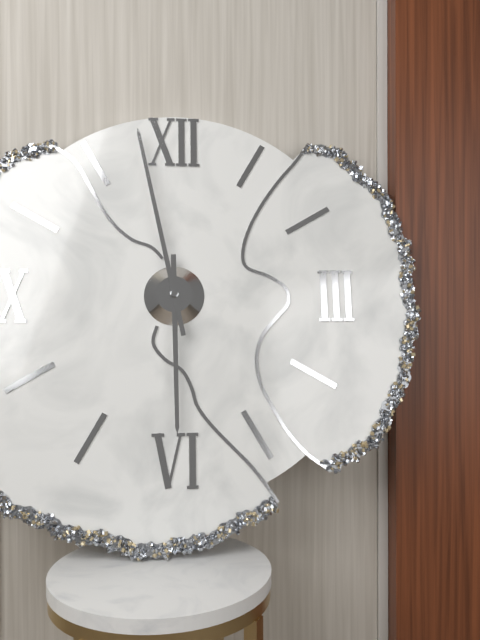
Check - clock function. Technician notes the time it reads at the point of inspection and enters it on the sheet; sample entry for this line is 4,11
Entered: 5,58
